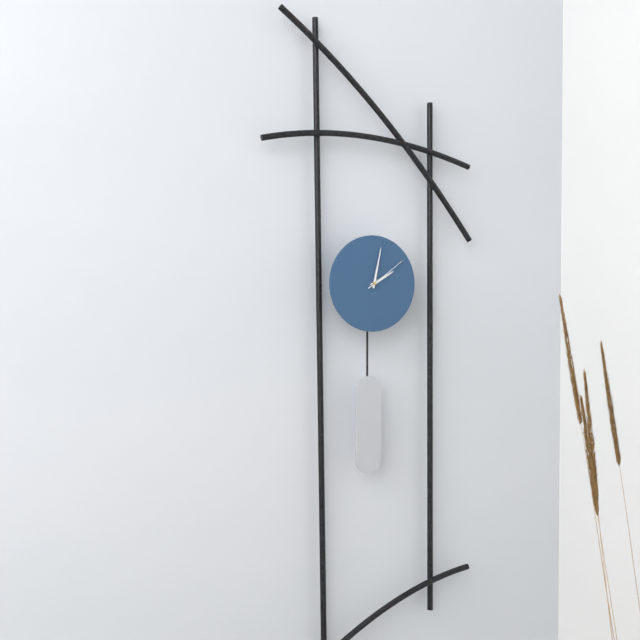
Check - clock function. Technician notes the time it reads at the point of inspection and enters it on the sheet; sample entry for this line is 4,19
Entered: 2,02
